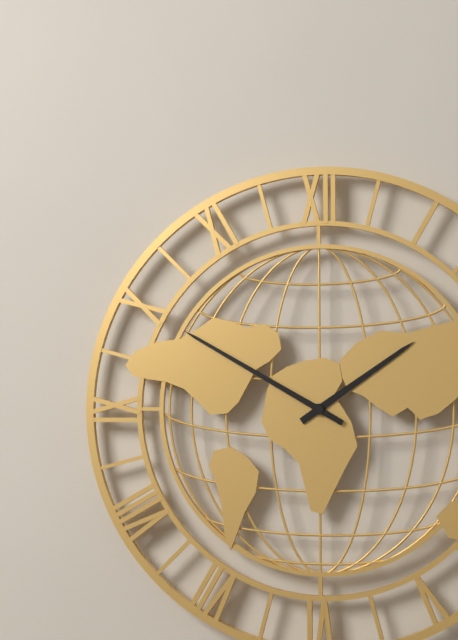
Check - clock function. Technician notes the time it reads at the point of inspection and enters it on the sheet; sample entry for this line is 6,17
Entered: 1,50
